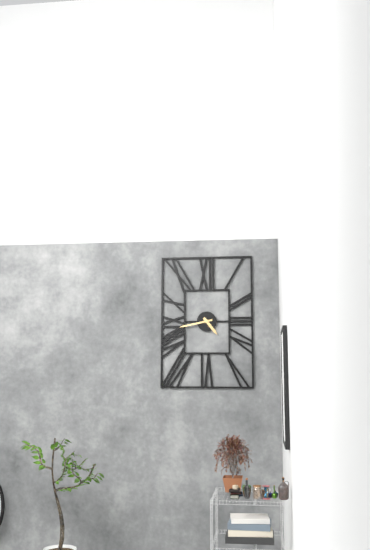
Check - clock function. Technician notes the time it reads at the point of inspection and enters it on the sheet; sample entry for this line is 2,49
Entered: 4,43
